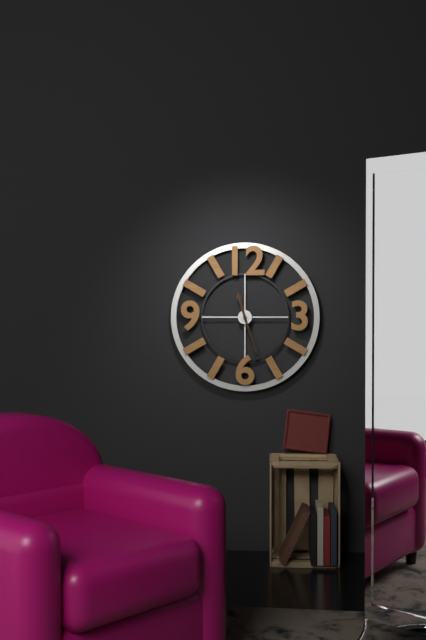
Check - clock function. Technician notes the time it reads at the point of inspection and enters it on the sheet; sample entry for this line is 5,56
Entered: 11,27
